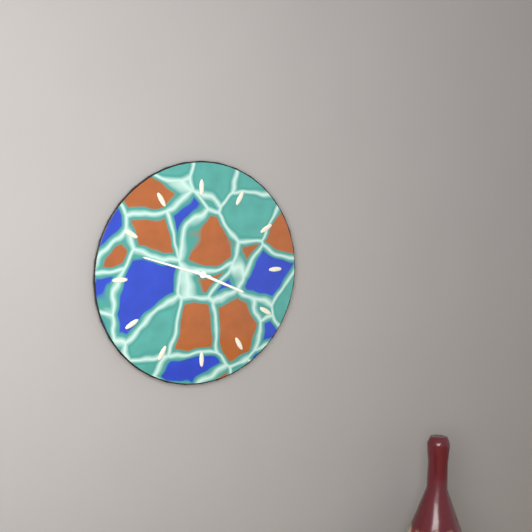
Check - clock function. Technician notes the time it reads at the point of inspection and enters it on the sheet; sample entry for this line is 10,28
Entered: 3,48
